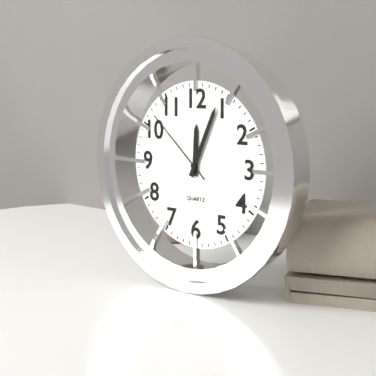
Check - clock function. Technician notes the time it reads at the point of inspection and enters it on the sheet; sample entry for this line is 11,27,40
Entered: 12,04,52
